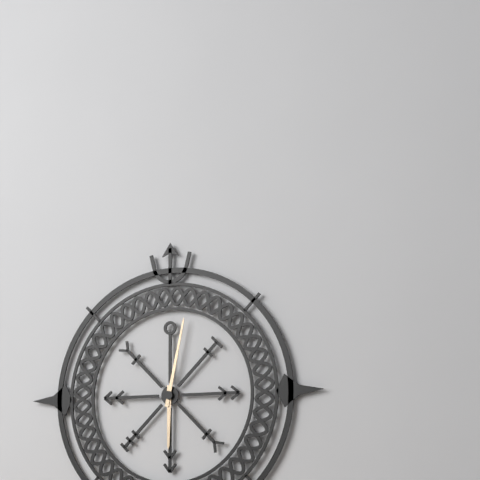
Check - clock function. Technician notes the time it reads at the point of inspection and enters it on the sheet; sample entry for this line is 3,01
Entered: 6,02
